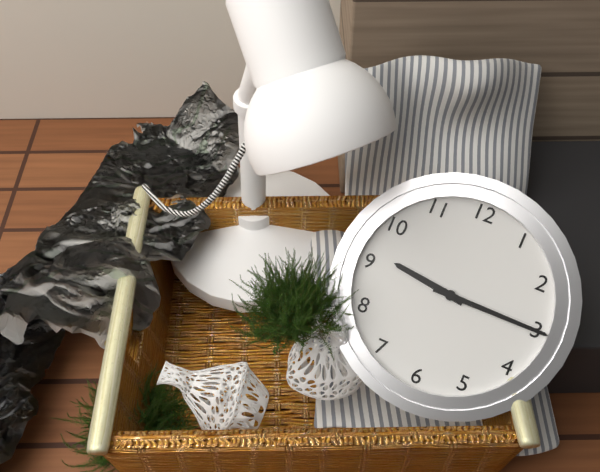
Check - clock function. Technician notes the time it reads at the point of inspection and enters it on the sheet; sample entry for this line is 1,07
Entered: 9,15
